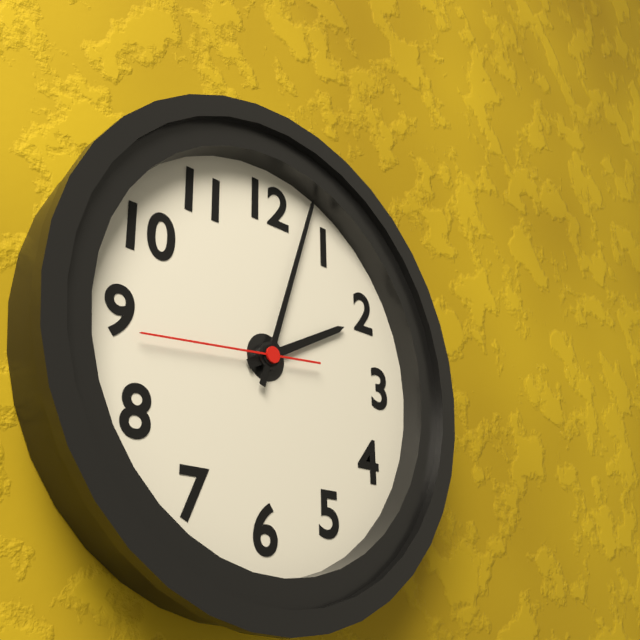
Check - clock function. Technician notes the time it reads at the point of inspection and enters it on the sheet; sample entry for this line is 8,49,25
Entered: 2,03,44
